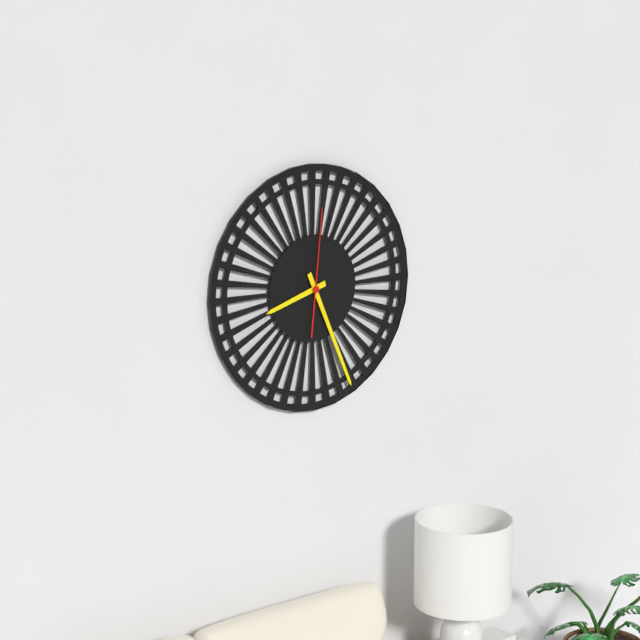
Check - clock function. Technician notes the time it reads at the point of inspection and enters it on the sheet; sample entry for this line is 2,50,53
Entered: 8,26,01
